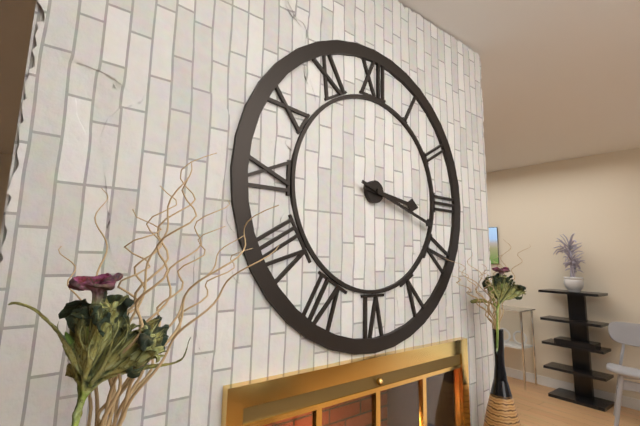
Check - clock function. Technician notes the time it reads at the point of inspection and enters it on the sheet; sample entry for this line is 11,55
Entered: 3,18
